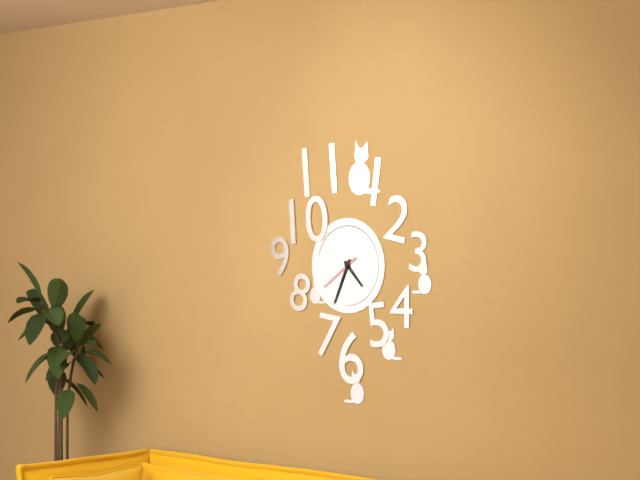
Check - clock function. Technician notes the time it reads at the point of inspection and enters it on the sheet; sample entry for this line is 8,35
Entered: 4,34
